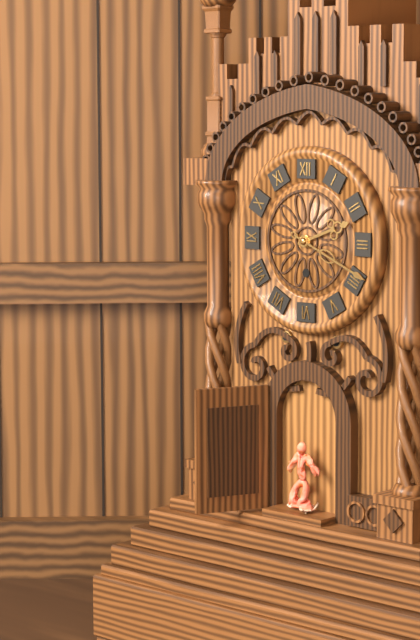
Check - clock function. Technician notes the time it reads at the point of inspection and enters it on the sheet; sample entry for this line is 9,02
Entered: 2,19
